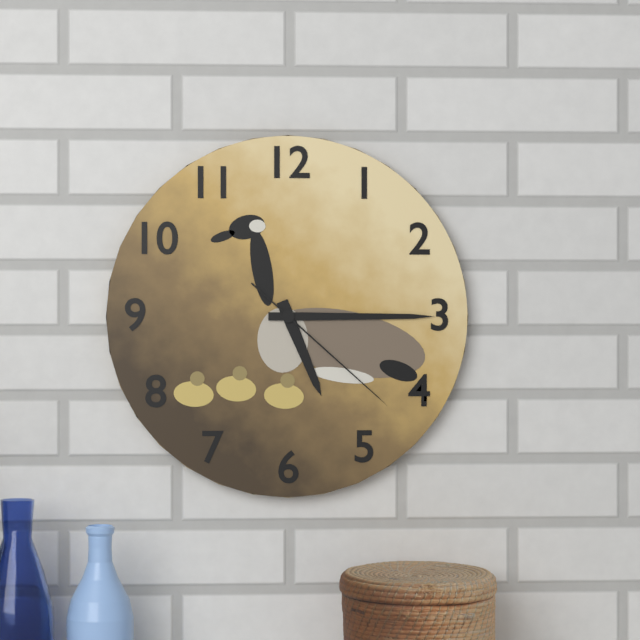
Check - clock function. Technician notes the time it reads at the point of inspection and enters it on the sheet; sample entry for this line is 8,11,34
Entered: 5,15,22
